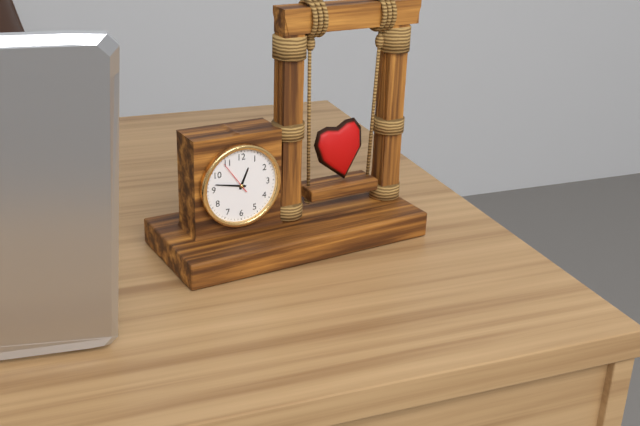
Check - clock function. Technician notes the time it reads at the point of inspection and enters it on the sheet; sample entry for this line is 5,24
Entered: 12,47
